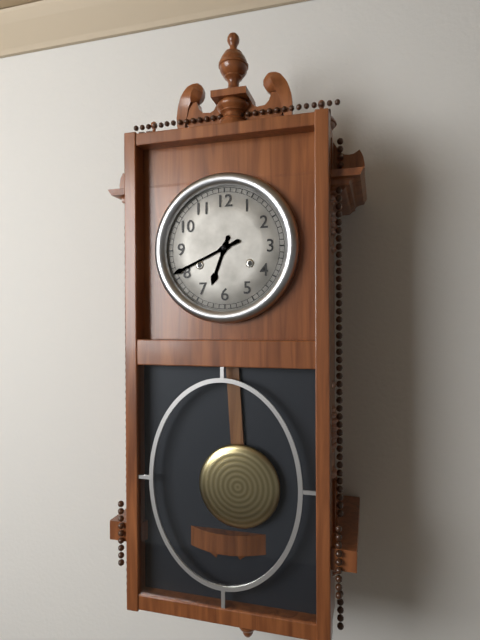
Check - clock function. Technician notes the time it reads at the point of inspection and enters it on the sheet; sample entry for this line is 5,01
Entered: 6,41
